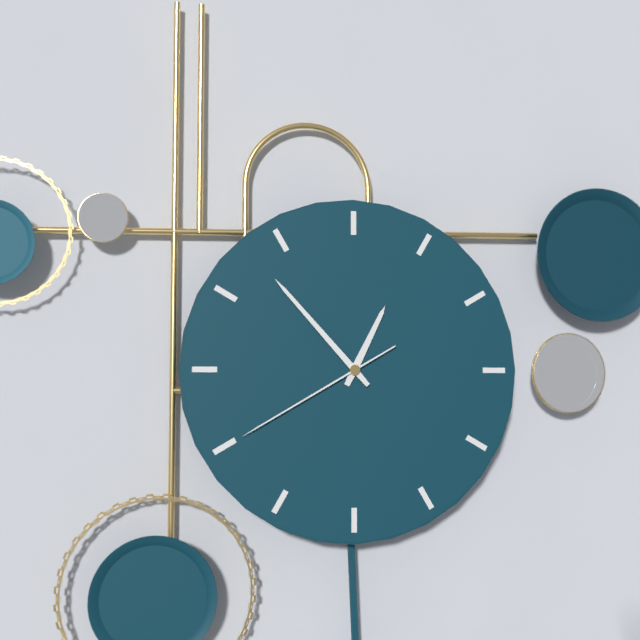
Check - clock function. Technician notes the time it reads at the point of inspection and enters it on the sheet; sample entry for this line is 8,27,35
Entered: 12,53,40
